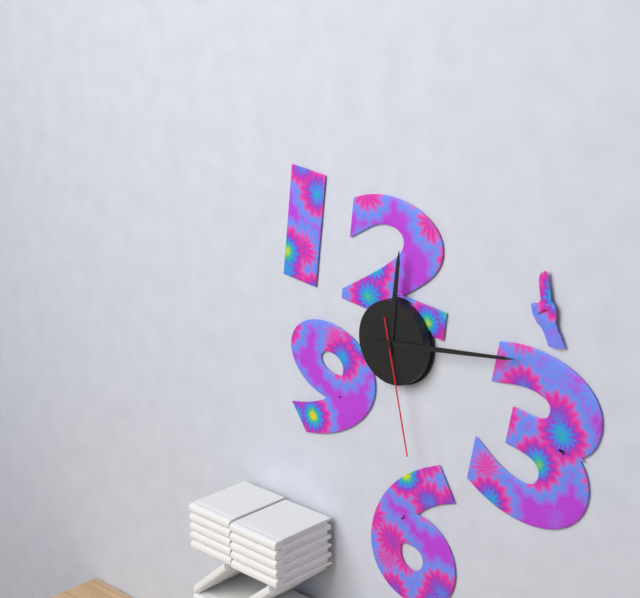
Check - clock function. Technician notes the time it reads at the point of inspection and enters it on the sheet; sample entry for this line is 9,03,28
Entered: 12,14,28
